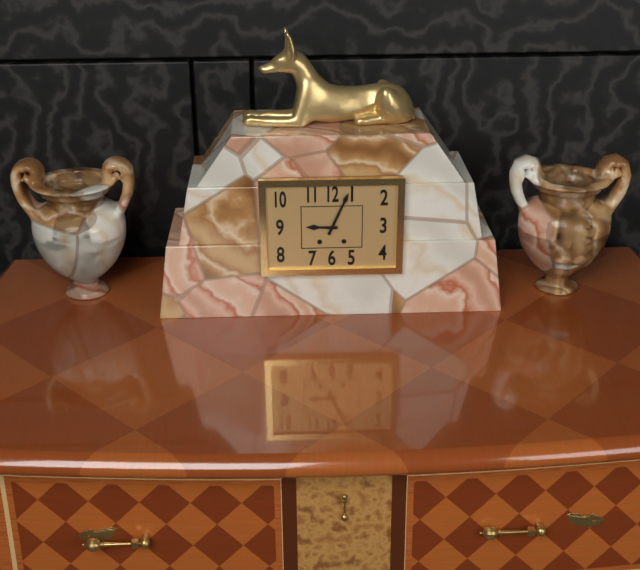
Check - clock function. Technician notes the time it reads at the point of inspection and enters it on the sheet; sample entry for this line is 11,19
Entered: 9,04
